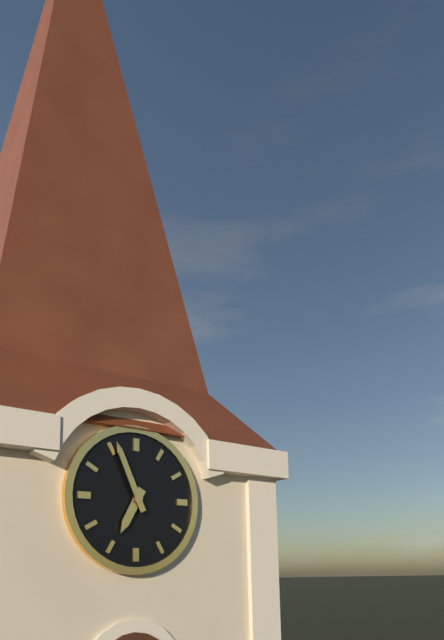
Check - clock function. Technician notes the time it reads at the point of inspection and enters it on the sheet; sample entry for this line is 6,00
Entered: 6,56
